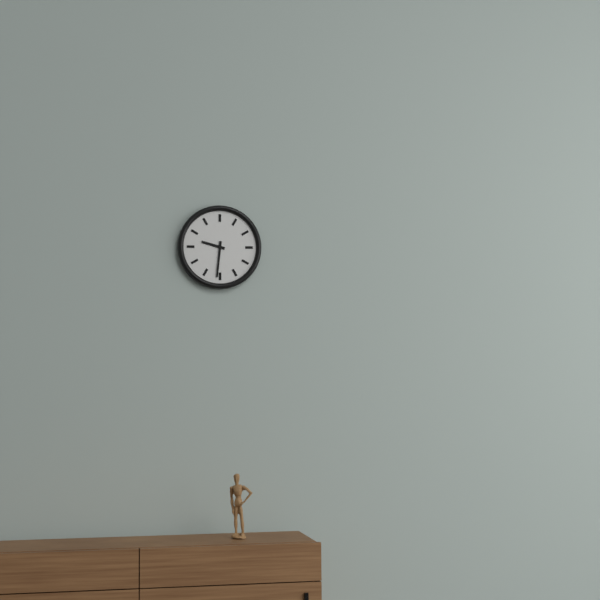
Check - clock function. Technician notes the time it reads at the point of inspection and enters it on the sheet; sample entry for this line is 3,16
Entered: 9,31
